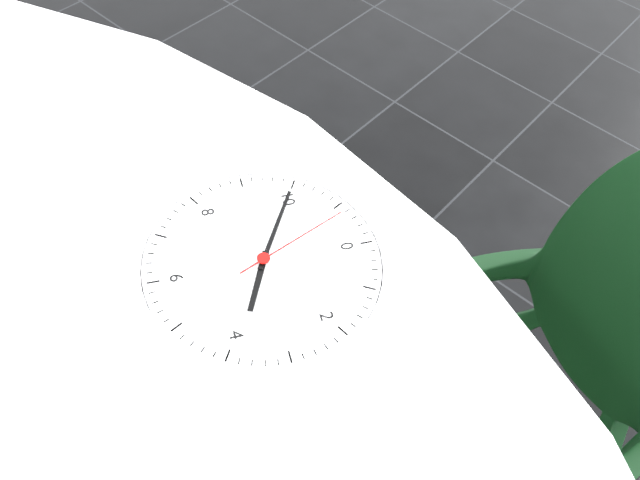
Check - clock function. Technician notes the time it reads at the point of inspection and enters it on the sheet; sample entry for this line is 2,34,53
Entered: 3,50,56
